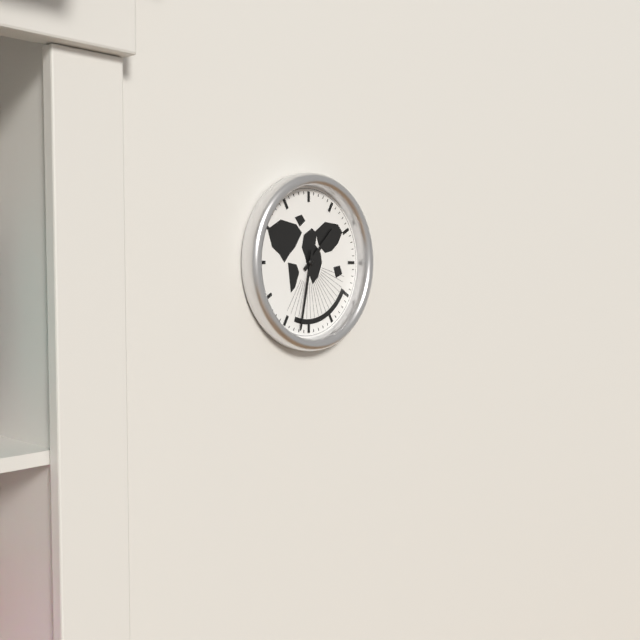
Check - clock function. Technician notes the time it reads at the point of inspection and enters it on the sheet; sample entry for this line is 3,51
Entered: 1,32
